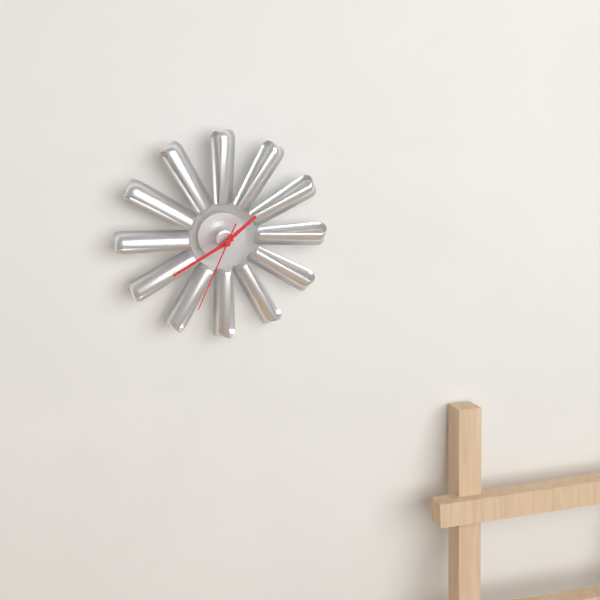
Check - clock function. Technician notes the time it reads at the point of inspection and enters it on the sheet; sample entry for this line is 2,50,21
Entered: 1,40,34
